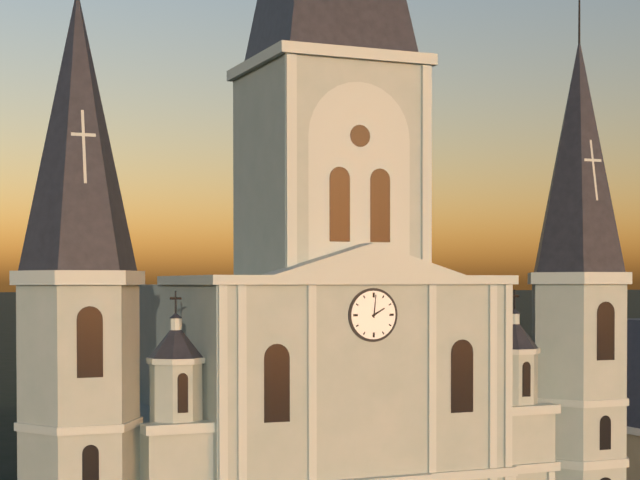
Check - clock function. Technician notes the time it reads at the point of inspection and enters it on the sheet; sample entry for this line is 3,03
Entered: 2,01
